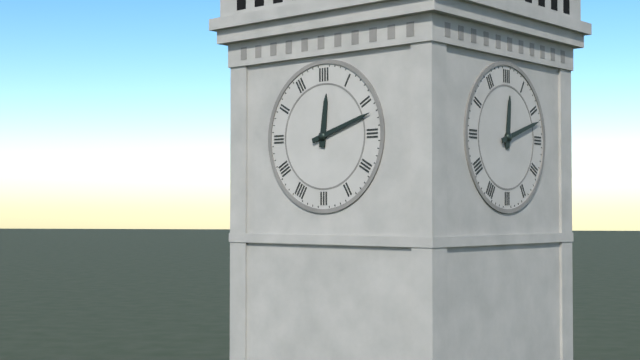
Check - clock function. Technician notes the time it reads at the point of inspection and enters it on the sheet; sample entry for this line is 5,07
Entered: 12,12
